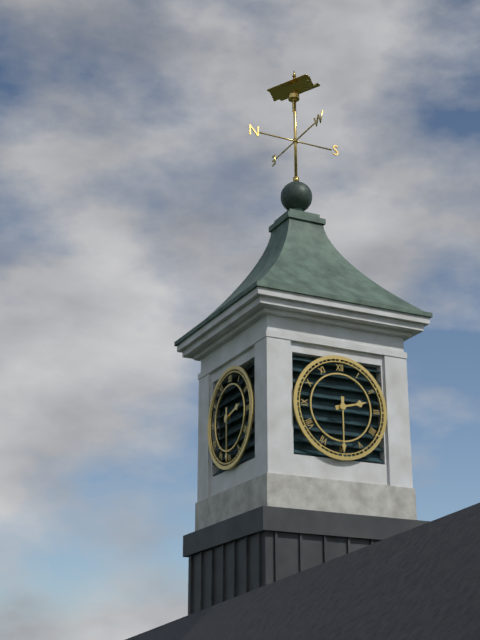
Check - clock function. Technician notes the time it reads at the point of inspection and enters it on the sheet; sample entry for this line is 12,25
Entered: 2,30
